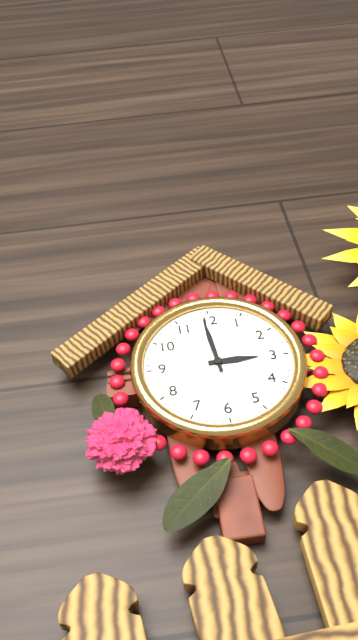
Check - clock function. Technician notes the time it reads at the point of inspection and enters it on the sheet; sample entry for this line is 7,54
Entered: 2,59
